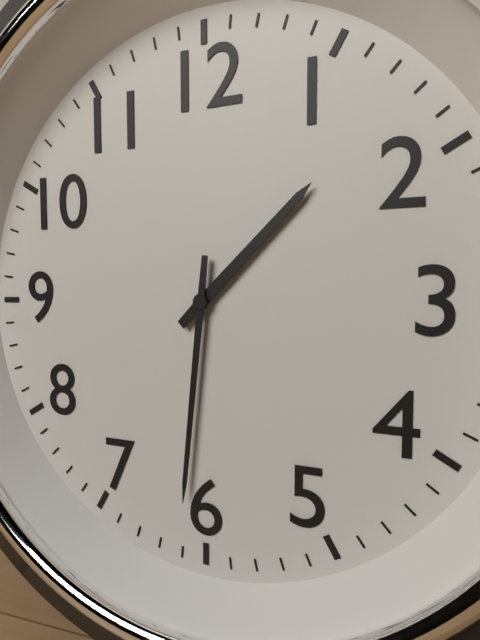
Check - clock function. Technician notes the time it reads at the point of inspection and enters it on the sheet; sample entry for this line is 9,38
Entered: 1,31
